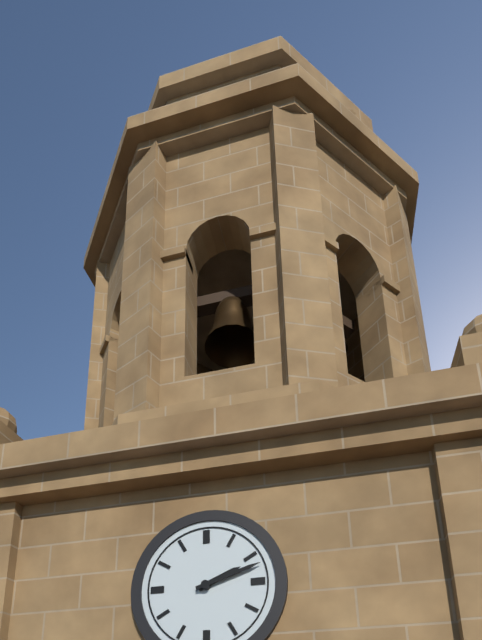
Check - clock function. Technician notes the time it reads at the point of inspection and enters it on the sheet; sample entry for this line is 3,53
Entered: 2,12
